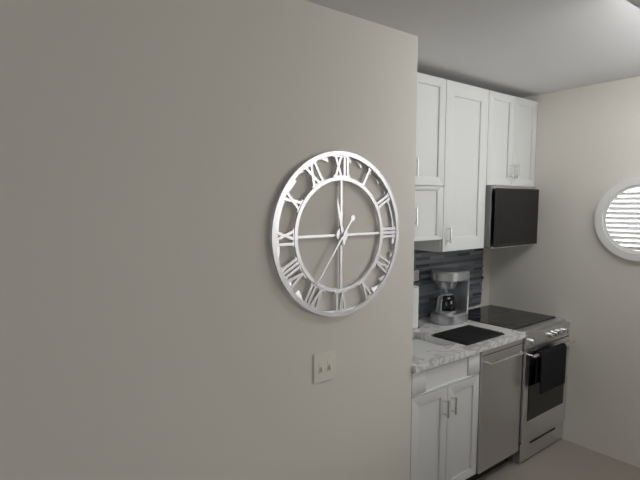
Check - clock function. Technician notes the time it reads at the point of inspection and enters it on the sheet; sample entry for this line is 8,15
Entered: 11,36
